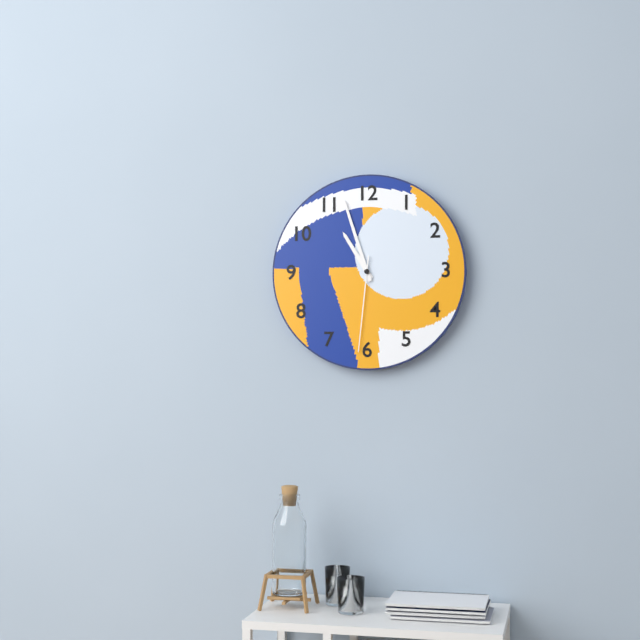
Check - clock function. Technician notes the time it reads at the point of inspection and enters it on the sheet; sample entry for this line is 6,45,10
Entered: 10,57,31
